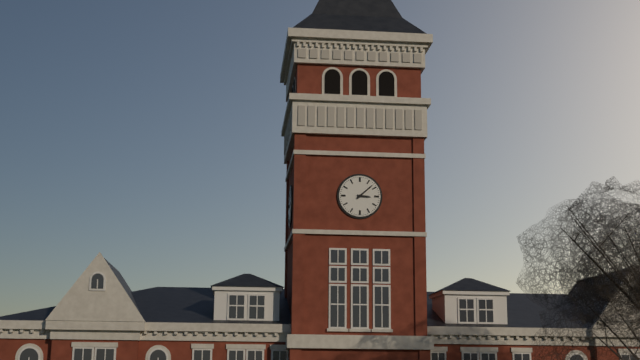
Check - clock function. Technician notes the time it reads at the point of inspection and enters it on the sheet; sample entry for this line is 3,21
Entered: 3,08
